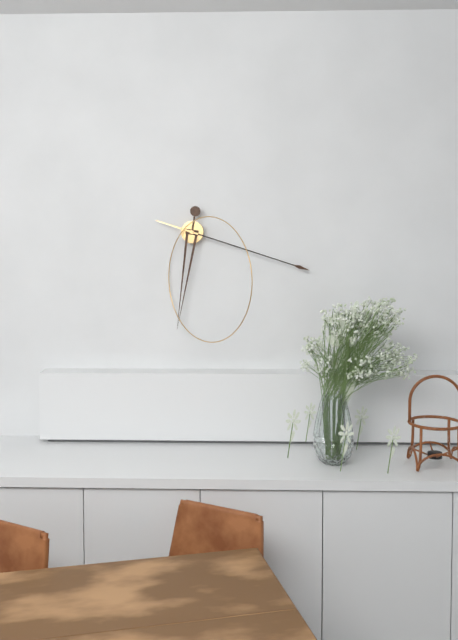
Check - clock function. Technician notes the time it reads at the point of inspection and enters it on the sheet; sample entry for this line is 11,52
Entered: 6,18
